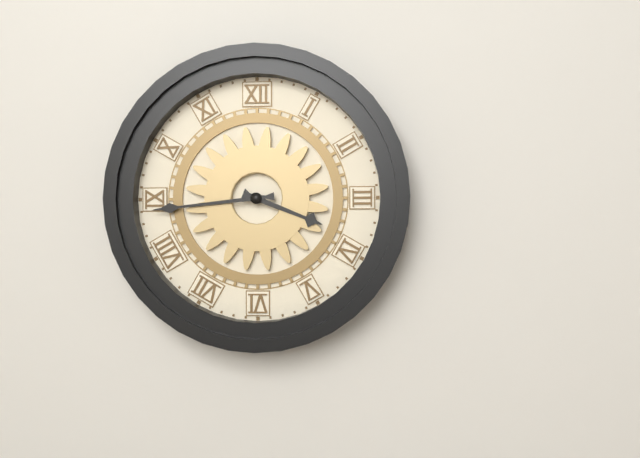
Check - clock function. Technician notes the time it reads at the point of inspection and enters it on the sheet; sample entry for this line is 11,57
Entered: 3,44
